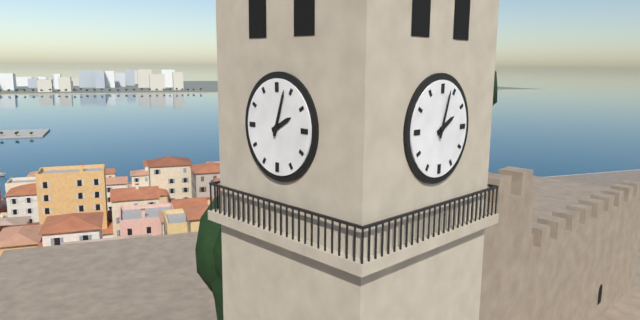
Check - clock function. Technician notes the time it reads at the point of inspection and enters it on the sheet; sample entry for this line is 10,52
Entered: 2,03
